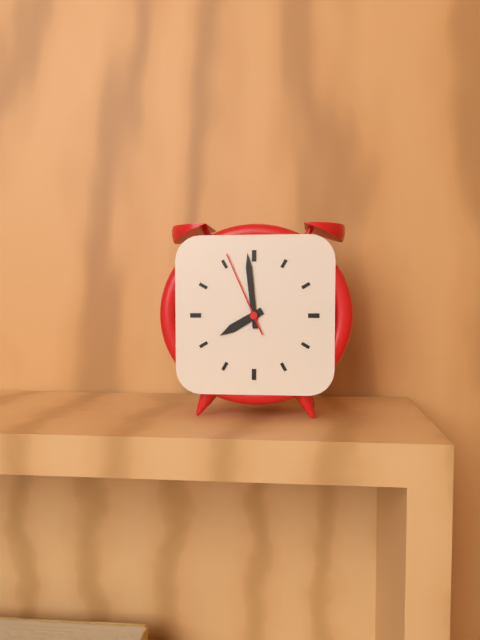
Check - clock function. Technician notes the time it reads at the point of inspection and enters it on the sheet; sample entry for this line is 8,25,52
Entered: 7,59,56
